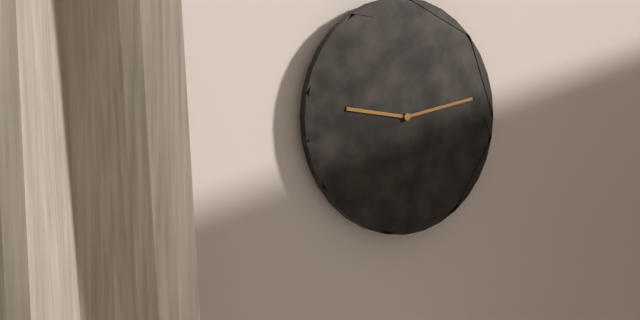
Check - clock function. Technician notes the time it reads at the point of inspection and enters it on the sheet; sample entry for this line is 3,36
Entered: 9,13
